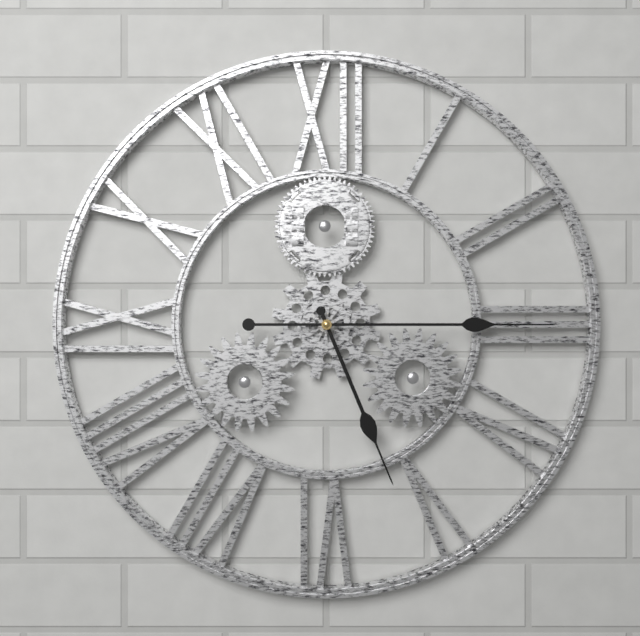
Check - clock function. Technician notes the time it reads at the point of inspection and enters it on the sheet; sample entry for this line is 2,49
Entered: 5,15
